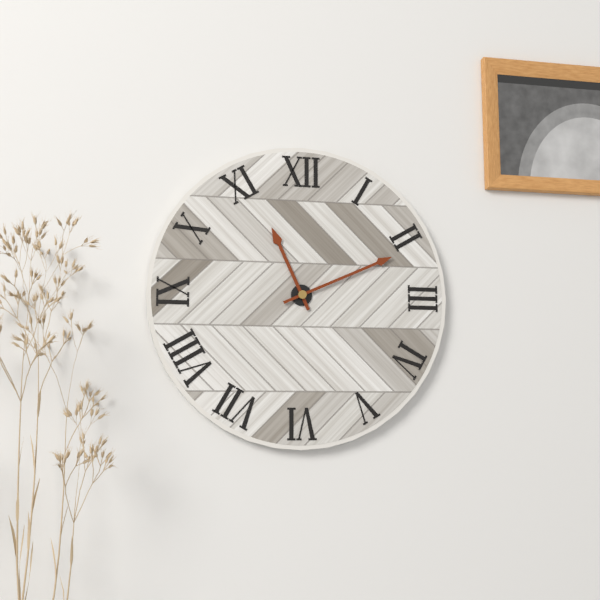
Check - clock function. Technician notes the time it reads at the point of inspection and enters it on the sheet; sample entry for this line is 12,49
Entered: 11,11
